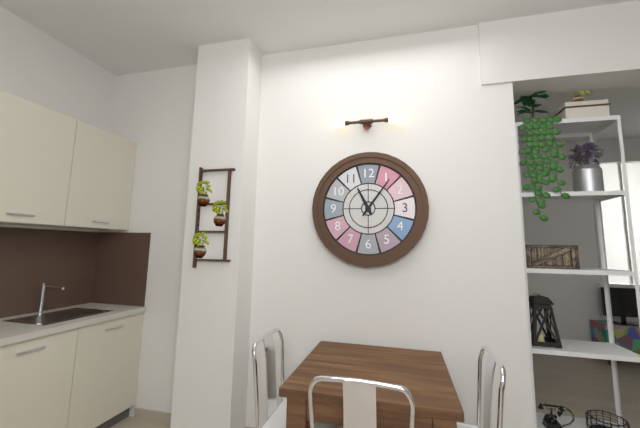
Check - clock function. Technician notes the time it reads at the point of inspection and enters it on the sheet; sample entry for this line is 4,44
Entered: 11,06
